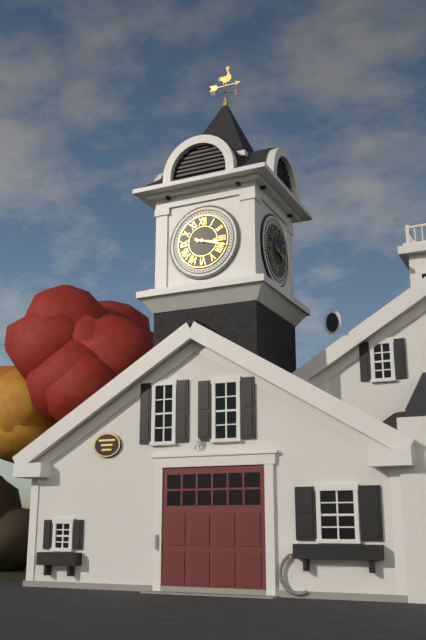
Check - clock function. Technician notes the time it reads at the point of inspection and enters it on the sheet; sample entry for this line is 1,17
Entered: 3,18
